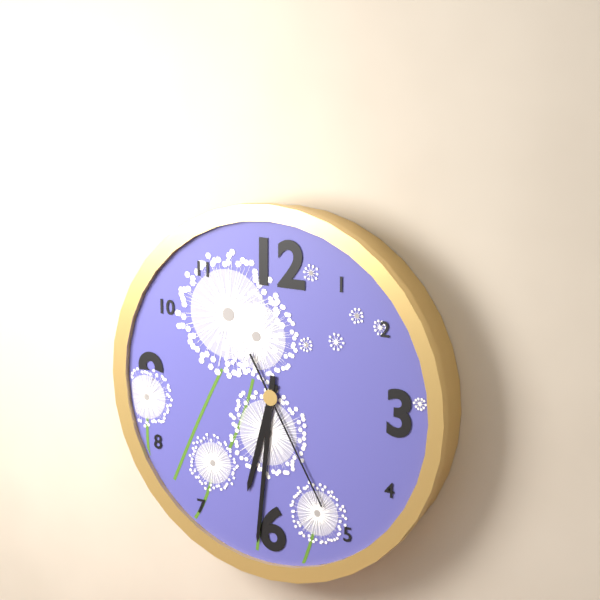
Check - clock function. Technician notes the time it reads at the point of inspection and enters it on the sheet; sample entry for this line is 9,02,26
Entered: 6,31,25
